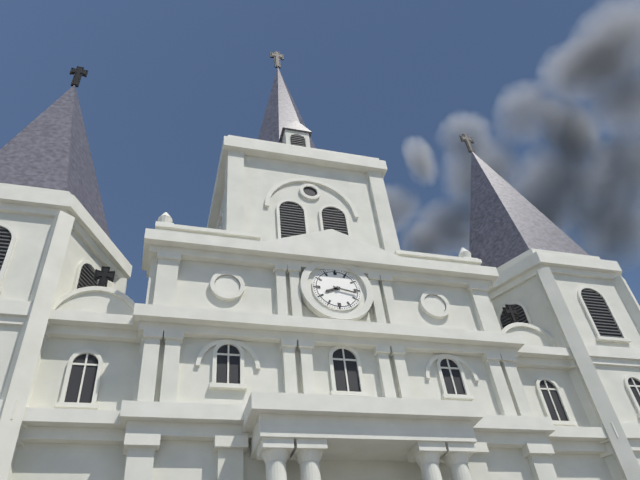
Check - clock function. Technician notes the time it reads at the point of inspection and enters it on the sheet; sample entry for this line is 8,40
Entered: 8,17
